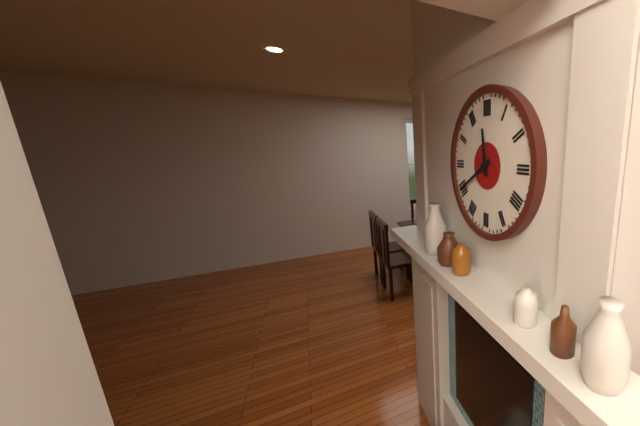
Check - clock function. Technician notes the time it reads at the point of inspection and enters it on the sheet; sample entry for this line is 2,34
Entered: 11,40
